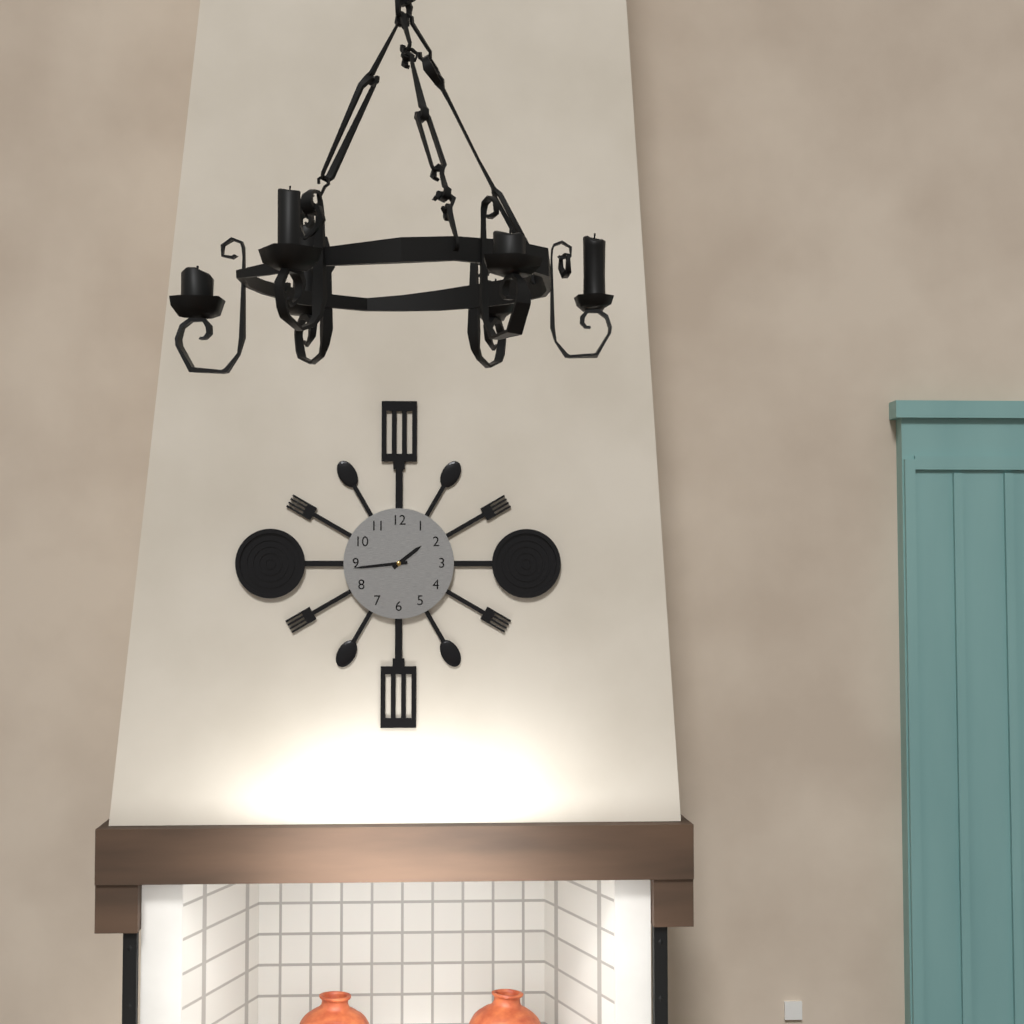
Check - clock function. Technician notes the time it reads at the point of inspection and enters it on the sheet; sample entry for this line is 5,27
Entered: 1,44
